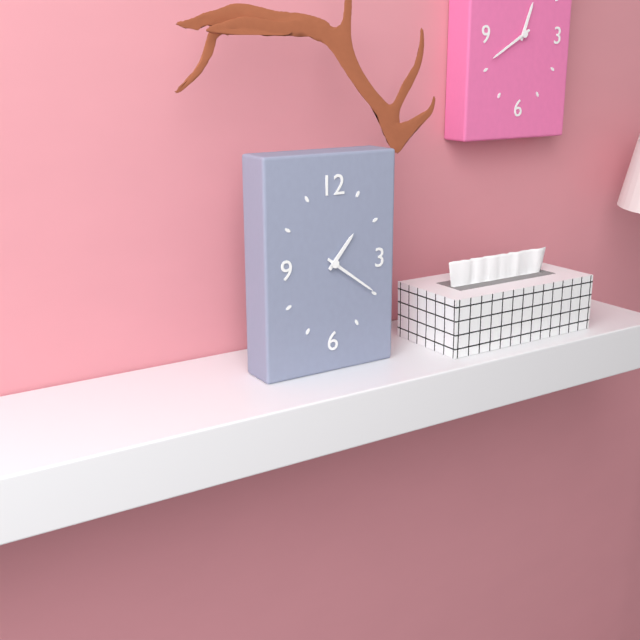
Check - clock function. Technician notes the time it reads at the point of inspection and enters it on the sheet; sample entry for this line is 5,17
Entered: 1,21
